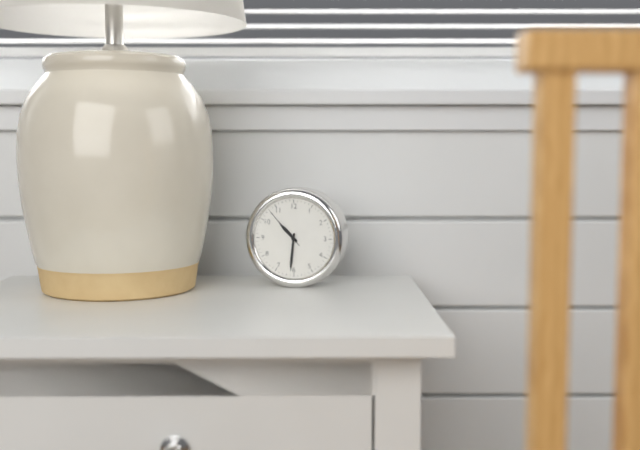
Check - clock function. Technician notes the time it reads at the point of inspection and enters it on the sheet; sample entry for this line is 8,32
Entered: 10,31
